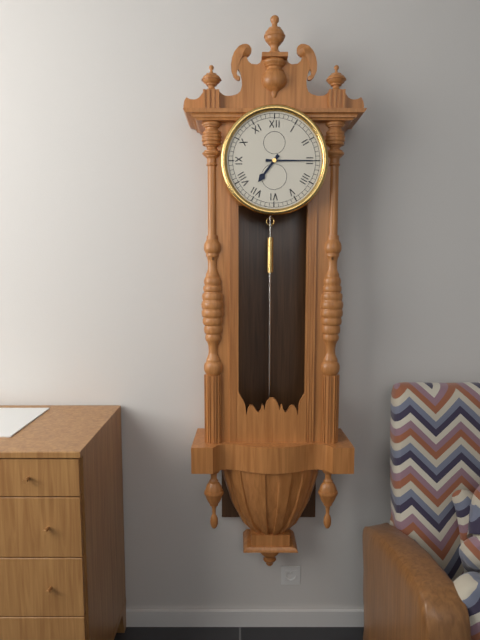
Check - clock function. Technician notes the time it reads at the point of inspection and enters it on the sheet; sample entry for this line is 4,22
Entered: 7,15
